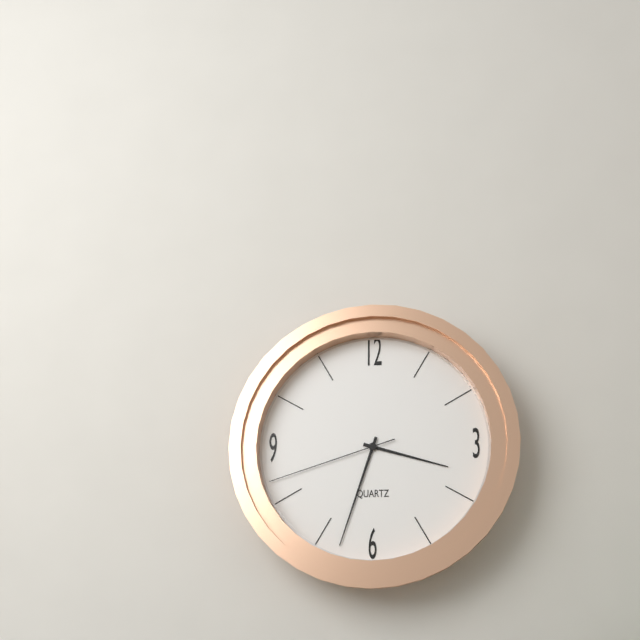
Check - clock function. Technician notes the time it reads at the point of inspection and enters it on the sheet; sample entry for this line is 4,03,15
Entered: 3,33,42
